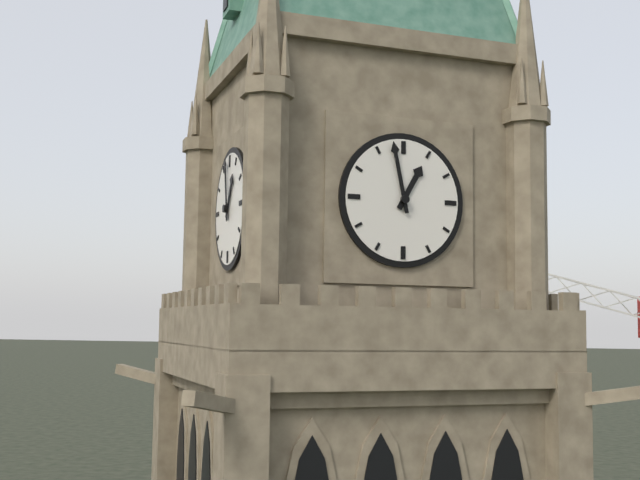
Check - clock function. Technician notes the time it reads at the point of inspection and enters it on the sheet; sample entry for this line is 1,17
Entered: 12,58
